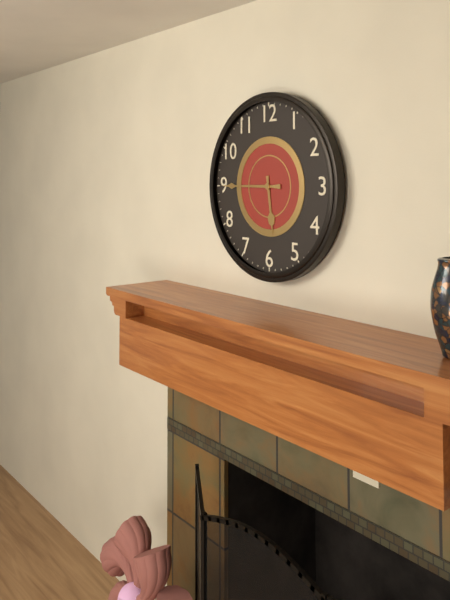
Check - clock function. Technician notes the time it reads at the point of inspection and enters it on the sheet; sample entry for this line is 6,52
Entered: 5,45
